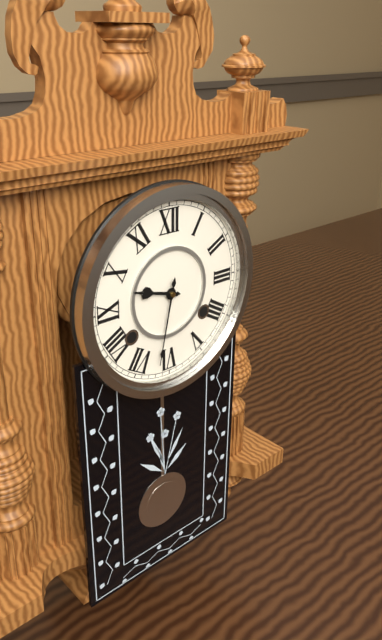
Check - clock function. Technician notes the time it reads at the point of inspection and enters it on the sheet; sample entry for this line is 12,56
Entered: 9,32
